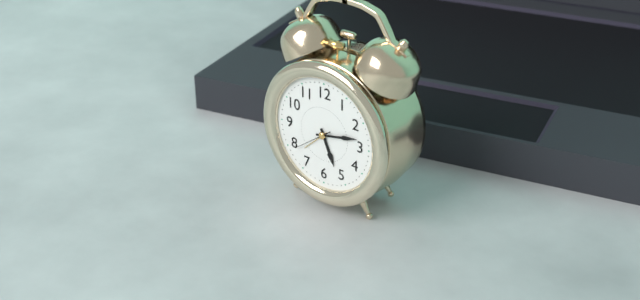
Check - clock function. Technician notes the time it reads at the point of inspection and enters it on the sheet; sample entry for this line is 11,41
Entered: 5,13
